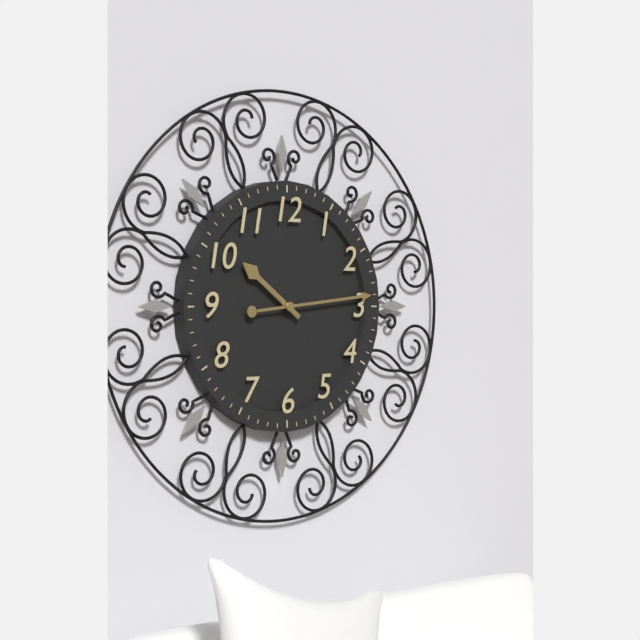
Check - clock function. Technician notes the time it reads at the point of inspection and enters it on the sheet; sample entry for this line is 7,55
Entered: 10,14
